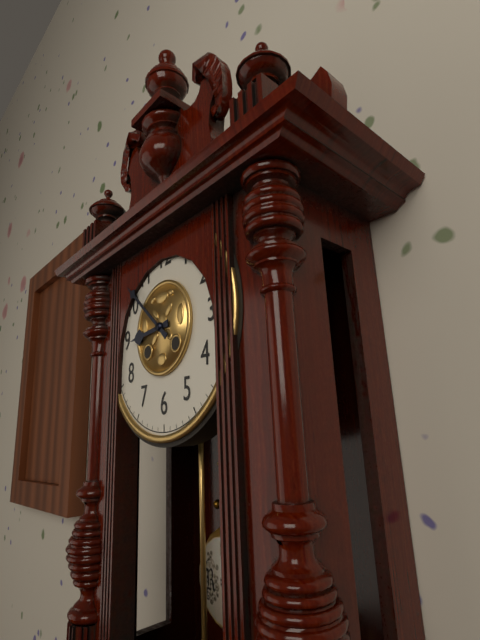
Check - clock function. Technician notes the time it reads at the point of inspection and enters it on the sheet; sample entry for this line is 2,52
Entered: 8,52
